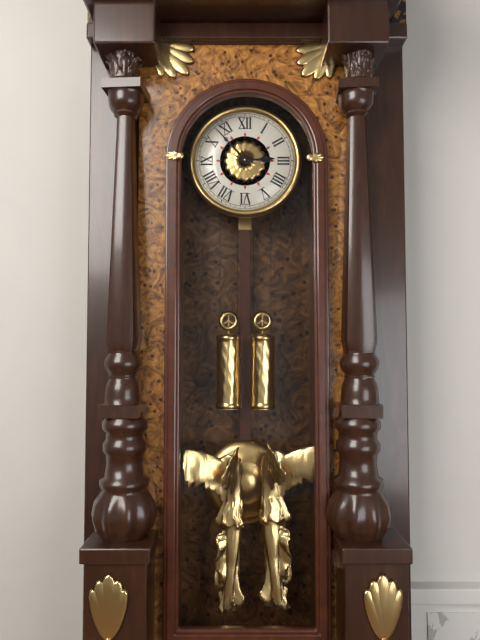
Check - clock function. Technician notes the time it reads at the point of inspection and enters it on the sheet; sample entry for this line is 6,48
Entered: 2,53
